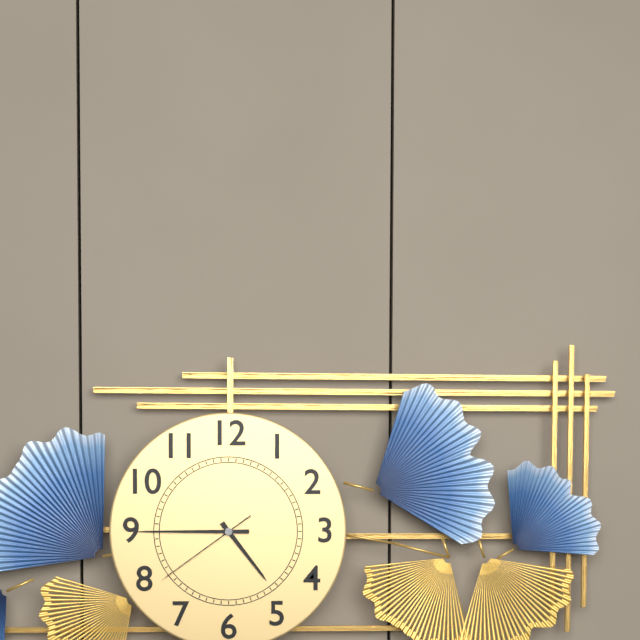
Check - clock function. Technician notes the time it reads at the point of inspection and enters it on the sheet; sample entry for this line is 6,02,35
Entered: 4,45,39
